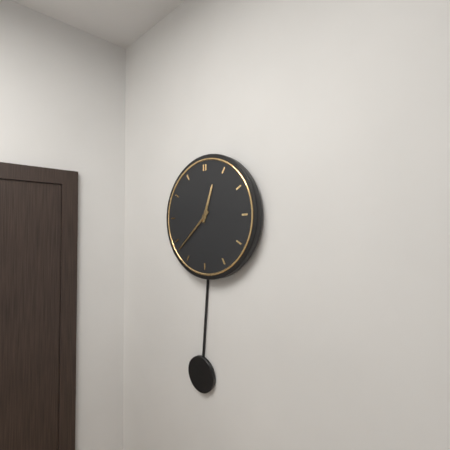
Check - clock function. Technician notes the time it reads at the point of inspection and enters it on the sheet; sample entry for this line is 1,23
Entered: 12,38
